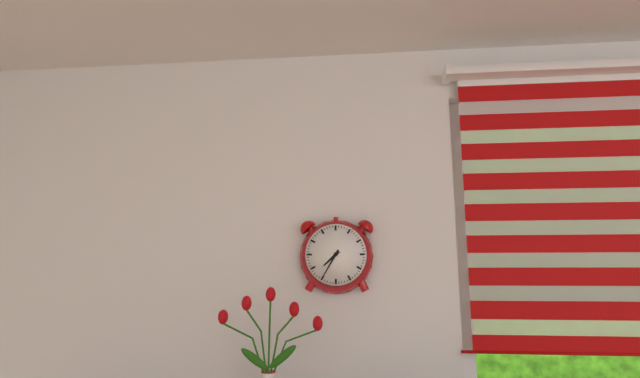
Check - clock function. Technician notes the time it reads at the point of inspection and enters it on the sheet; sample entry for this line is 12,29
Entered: 7,35
